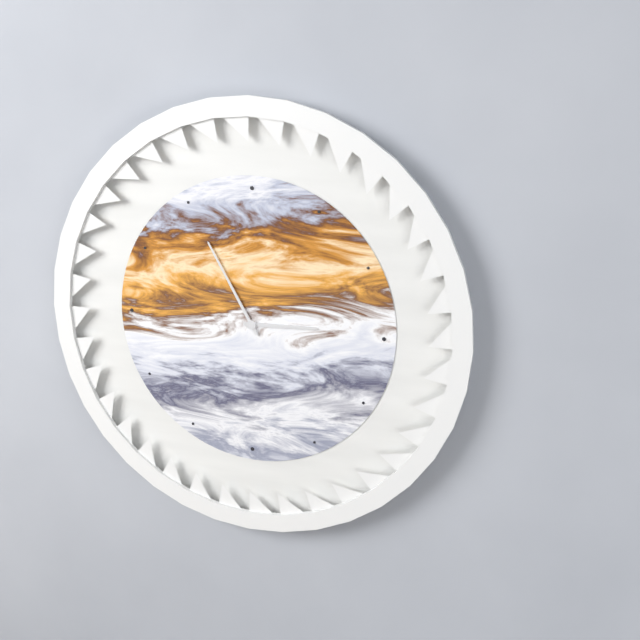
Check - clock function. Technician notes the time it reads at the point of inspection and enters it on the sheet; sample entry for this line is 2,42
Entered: 2,55
